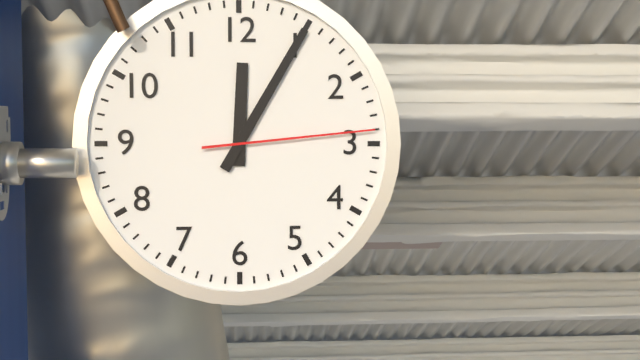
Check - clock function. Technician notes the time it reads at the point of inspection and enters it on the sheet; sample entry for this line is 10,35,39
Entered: 12,05,14
